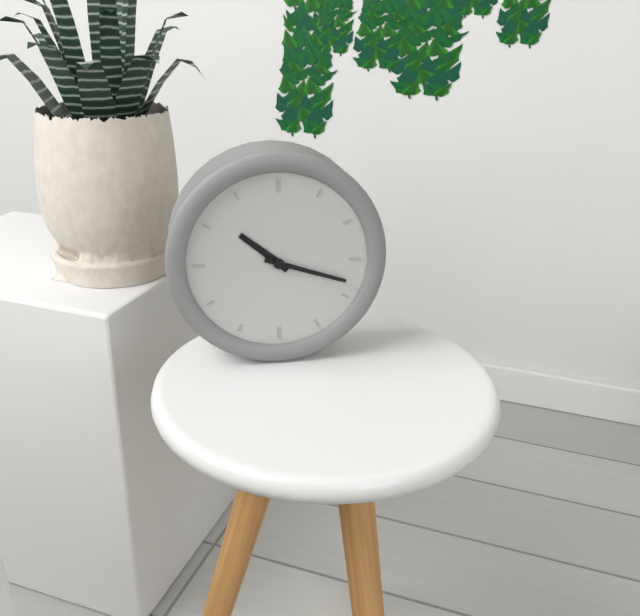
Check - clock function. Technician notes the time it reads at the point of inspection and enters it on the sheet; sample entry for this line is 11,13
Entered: 10,18
